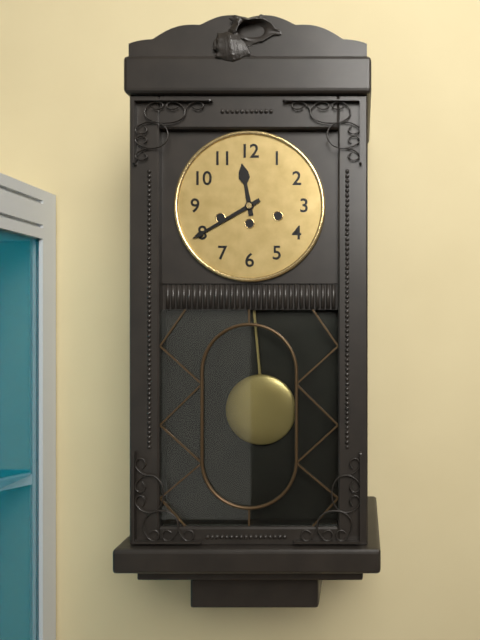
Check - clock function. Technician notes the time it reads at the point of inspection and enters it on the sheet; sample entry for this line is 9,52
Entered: 11,40
